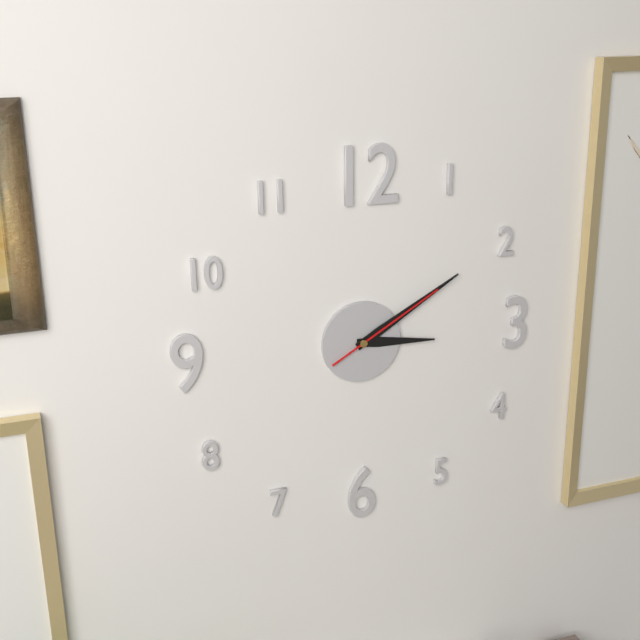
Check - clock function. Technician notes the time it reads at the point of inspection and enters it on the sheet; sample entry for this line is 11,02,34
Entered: 3,10,10
